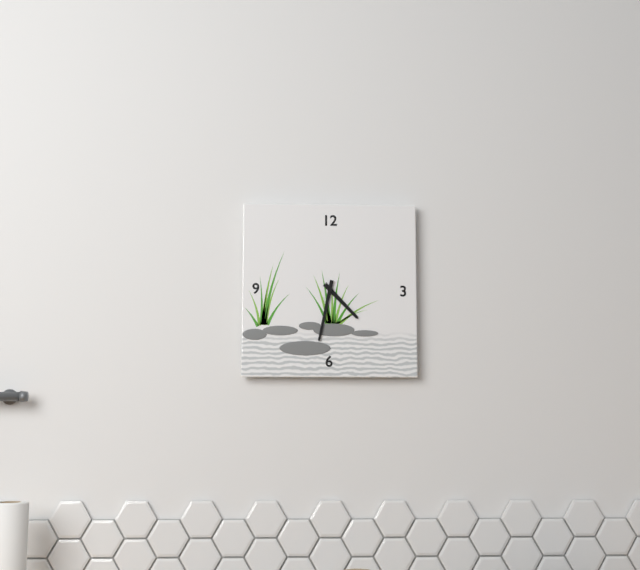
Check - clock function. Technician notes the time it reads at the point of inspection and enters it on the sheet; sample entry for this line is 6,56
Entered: 4,32
